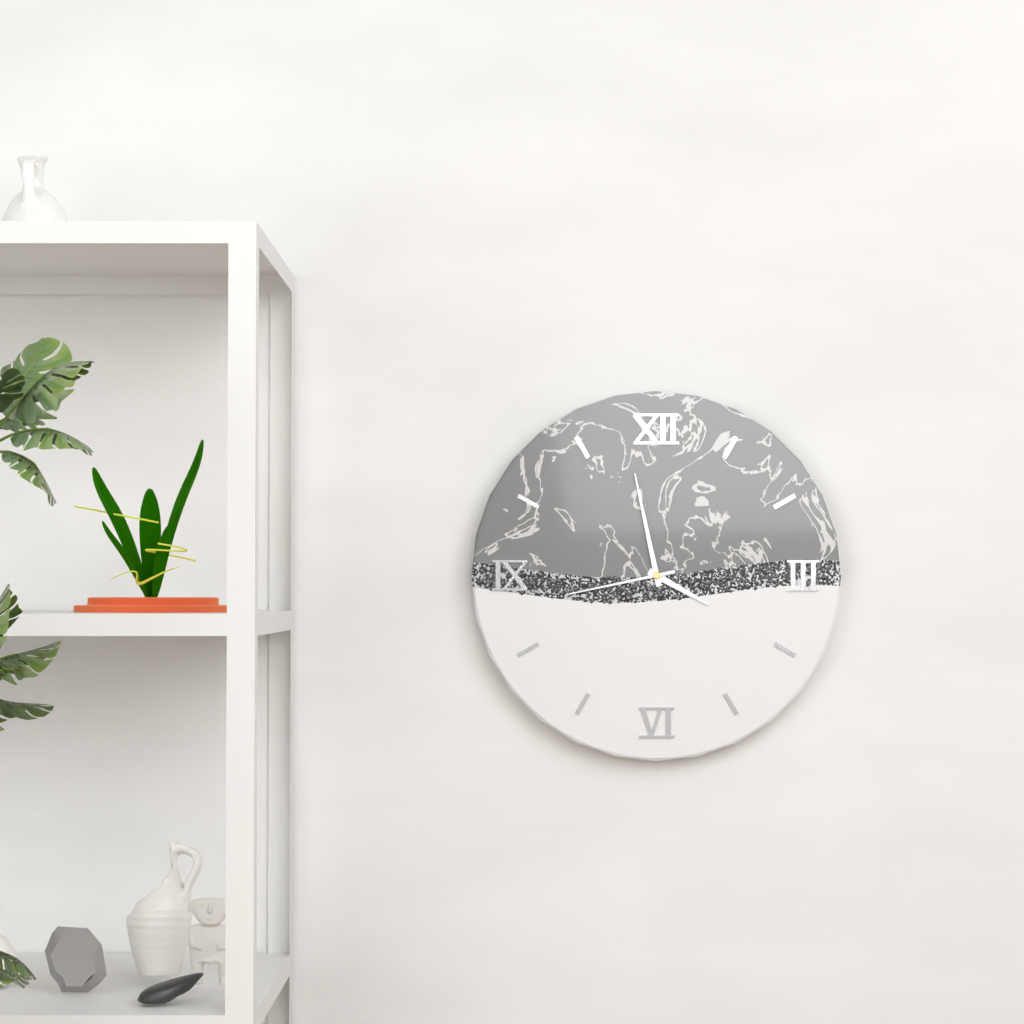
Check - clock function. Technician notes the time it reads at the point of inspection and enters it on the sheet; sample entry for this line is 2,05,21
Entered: 3,58,43
